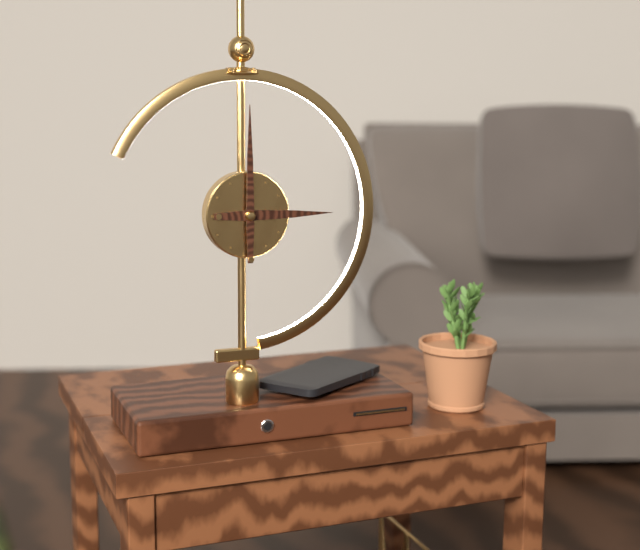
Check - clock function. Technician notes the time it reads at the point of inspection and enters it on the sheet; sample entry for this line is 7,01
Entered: 3,00
